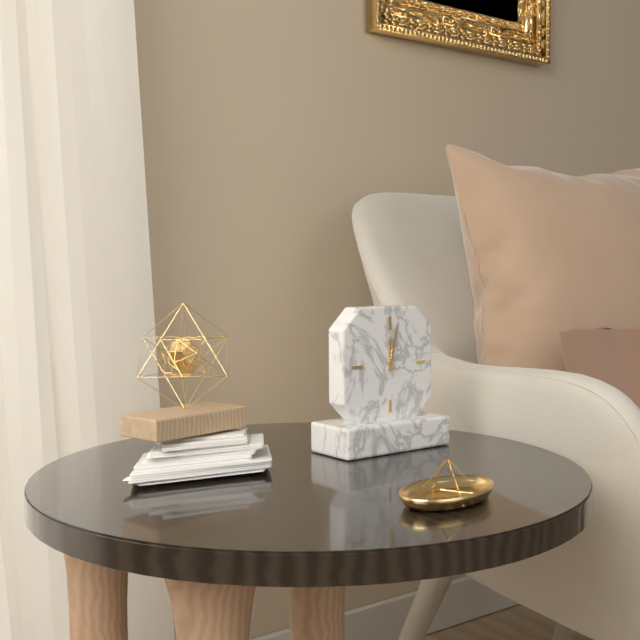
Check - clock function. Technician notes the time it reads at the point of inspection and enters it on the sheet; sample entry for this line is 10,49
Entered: 12,02
